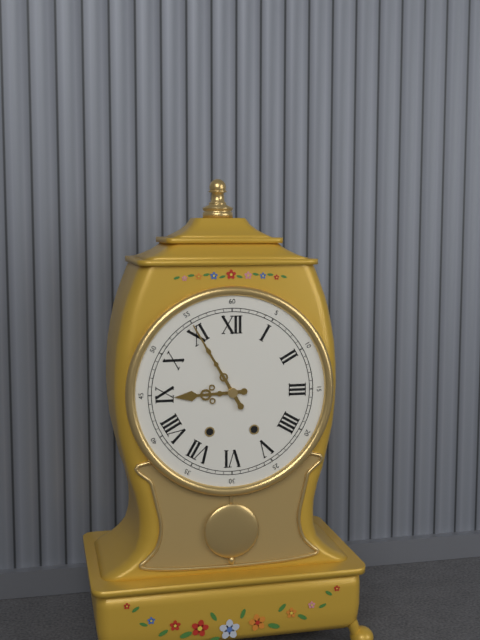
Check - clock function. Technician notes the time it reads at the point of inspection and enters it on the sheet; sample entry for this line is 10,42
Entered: 8,55
